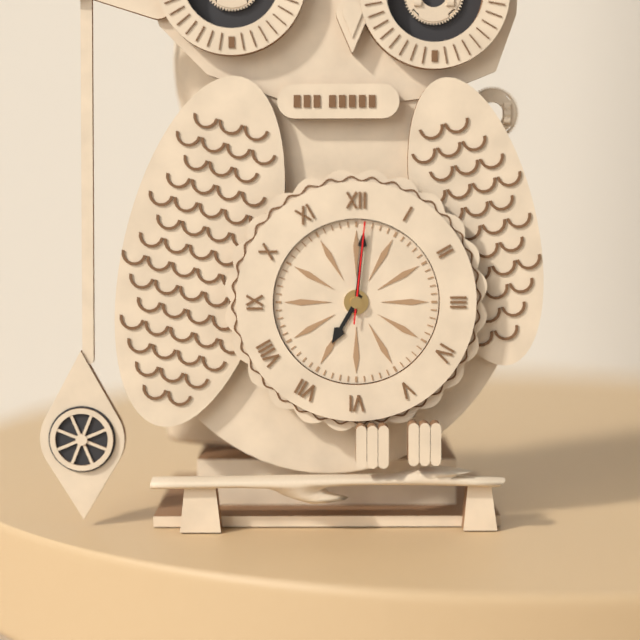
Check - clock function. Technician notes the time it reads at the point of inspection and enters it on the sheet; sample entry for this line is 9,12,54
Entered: 7,01,01
